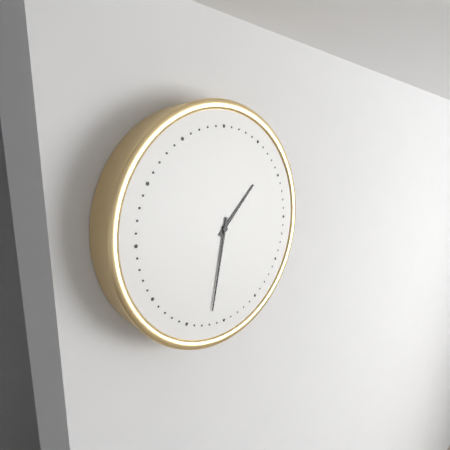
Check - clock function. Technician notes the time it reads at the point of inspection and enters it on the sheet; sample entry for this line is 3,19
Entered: 1,32
